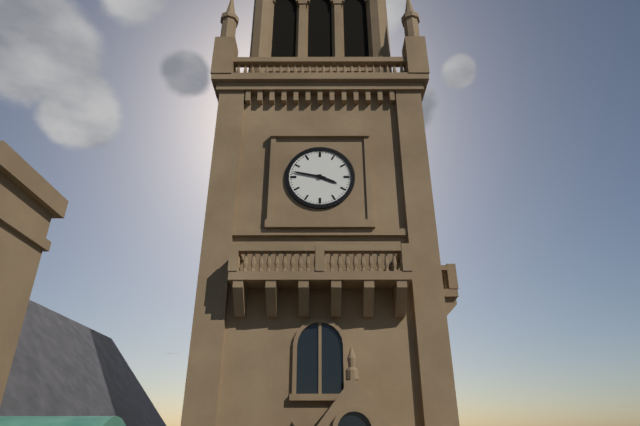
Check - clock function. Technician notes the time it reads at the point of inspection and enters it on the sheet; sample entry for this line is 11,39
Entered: 3,47
